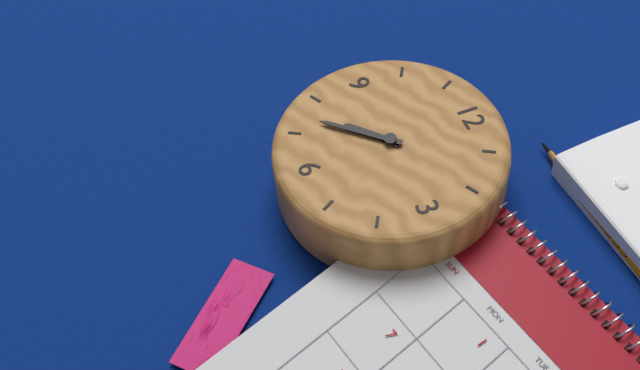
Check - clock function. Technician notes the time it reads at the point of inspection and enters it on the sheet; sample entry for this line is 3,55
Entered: 7,37
